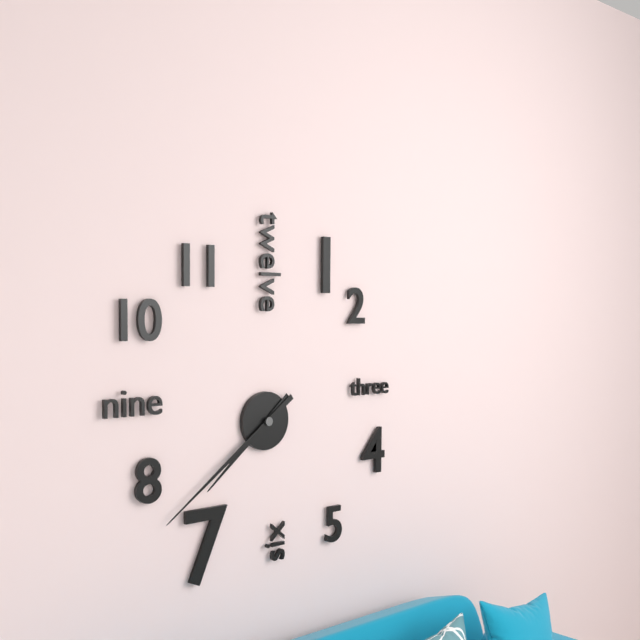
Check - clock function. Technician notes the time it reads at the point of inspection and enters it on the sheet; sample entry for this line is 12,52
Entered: 7,39
